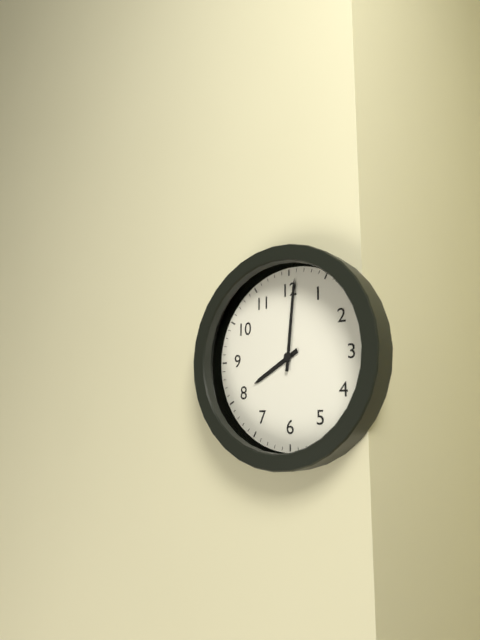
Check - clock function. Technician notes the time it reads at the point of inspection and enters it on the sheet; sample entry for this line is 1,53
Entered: 8,01
